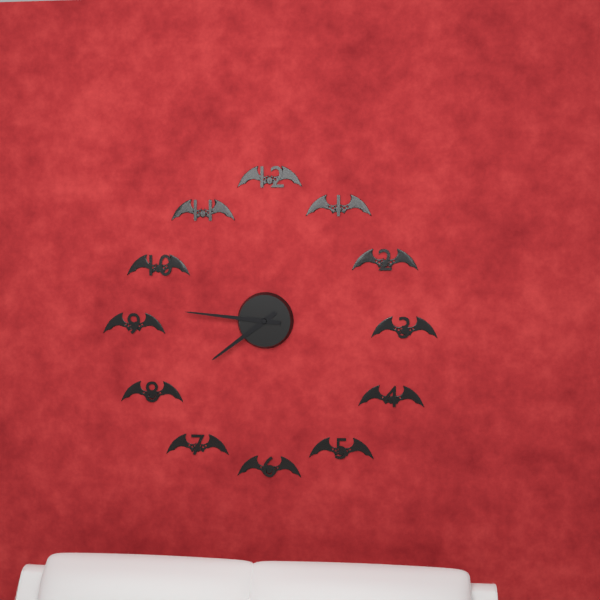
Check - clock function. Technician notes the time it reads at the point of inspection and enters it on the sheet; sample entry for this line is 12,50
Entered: 7,46
